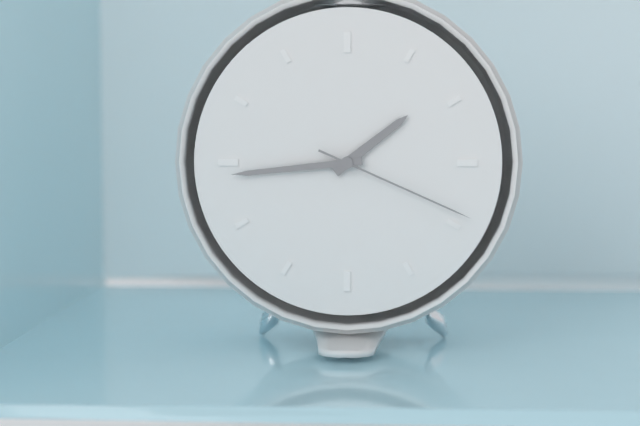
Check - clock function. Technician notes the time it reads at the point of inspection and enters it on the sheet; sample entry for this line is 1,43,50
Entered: 1,44,19
